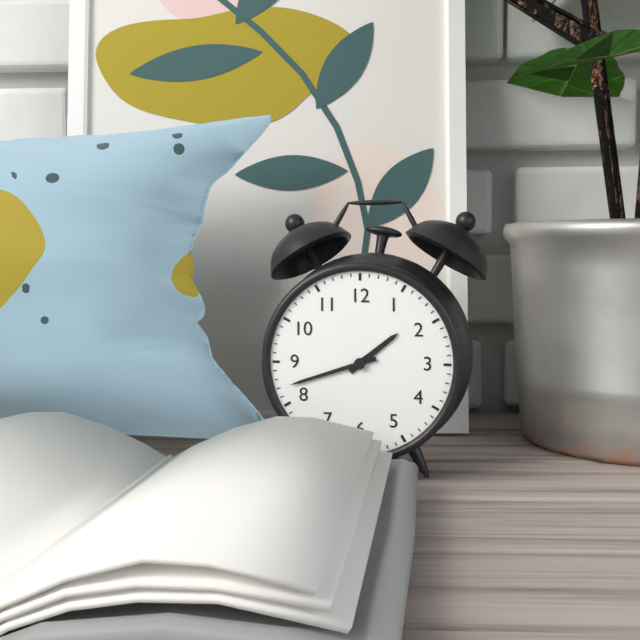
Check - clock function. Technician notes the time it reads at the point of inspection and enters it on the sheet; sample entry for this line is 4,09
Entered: 1,42
